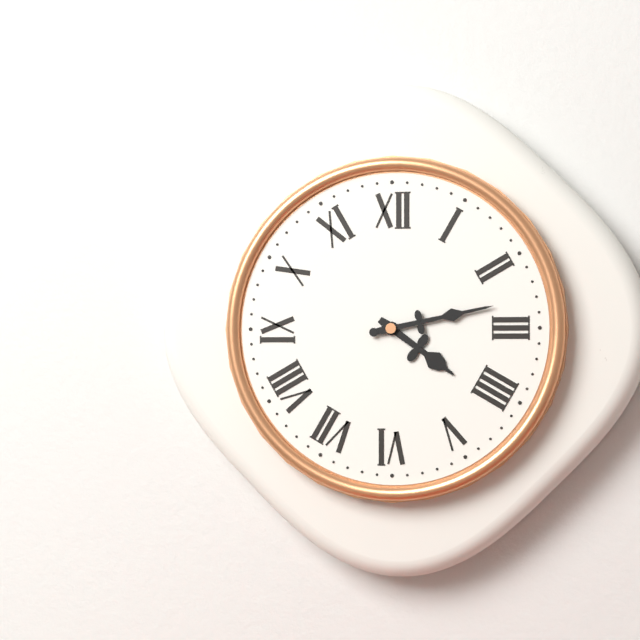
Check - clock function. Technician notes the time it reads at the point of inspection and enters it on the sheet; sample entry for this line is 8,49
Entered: 4,13
